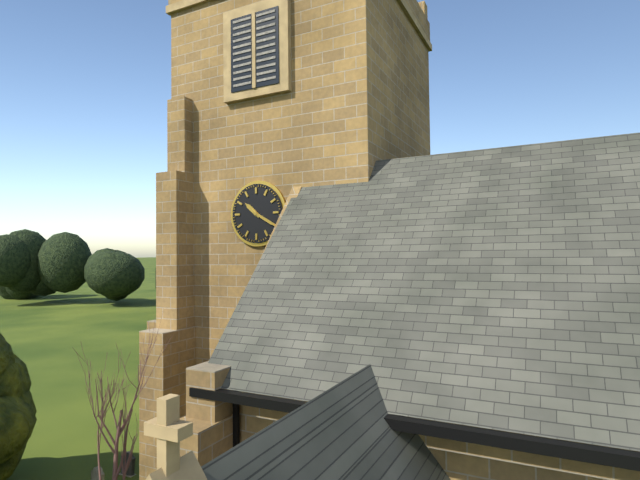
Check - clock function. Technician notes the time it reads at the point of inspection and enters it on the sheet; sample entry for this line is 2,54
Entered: 10,20
